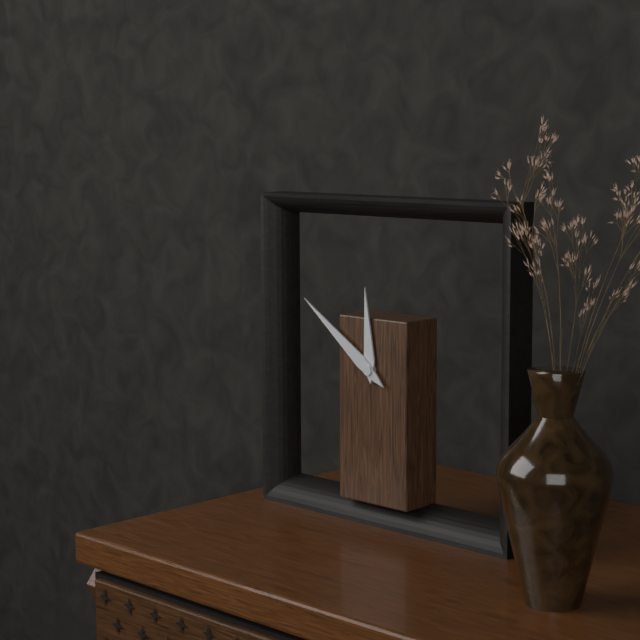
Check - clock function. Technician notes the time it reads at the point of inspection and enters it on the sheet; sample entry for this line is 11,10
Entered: 11,51
